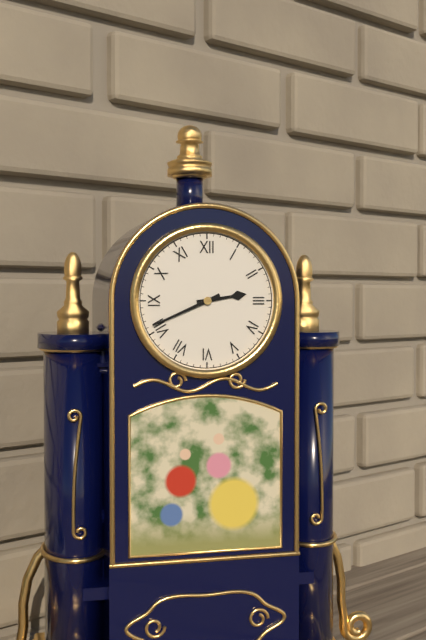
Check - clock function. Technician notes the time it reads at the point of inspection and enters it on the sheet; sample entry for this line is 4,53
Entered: 2,41
